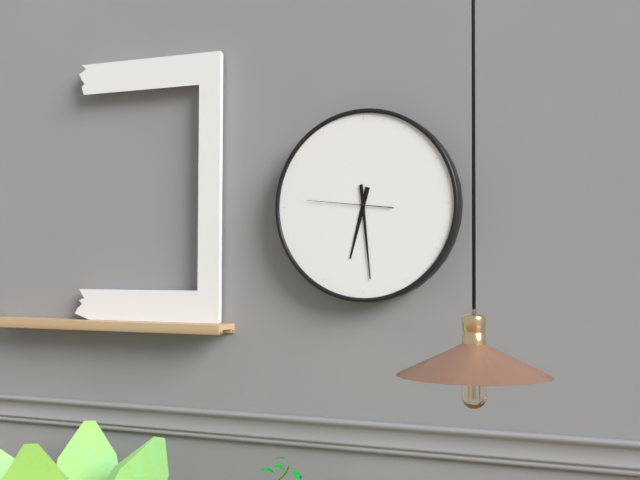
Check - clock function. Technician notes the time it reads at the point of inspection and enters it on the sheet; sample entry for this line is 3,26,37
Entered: 6,29,46
